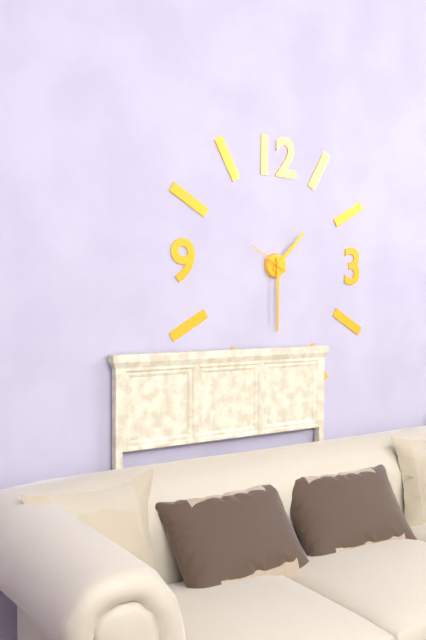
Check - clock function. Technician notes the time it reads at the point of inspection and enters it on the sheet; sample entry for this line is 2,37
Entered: 1,30
